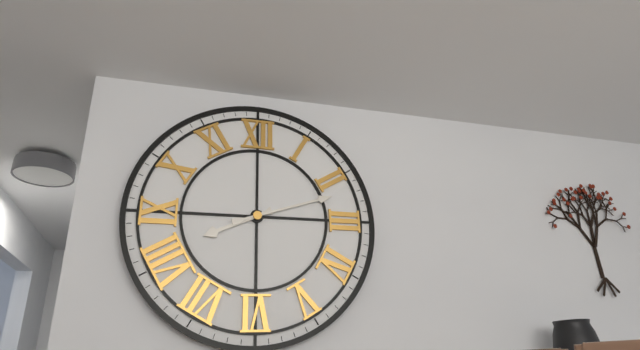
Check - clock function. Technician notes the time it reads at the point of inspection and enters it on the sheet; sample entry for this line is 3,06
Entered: 8,12
